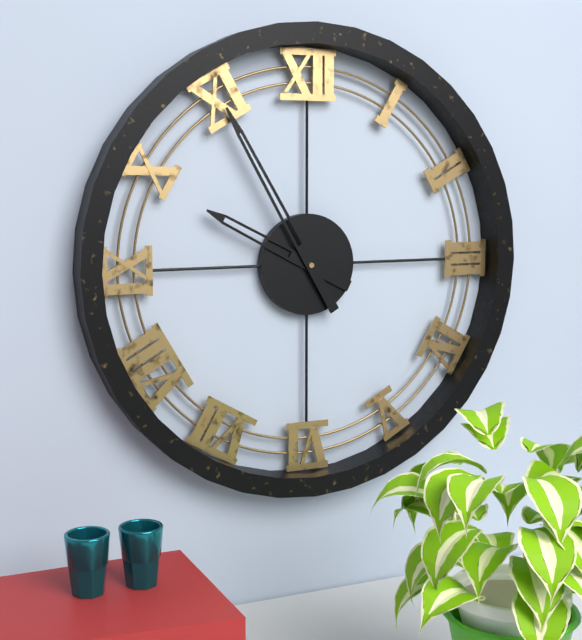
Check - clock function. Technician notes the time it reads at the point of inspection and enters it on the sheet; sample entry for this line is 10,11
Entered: 9,55
